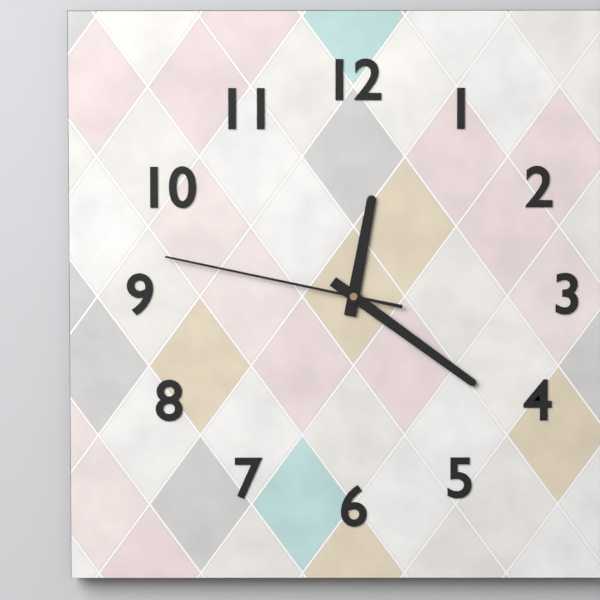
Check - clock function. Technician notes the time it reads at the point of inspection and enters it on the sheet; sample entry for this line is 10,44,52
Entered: 12,21,47
